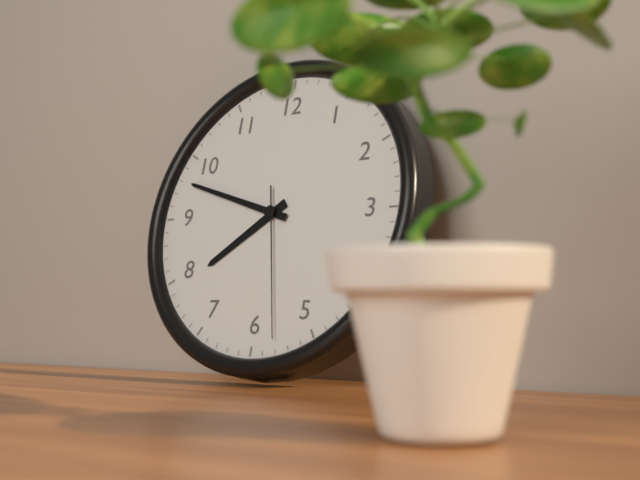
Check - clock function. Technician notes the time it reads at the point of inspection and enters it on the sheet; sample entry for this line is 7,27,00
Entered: 7,48,28
